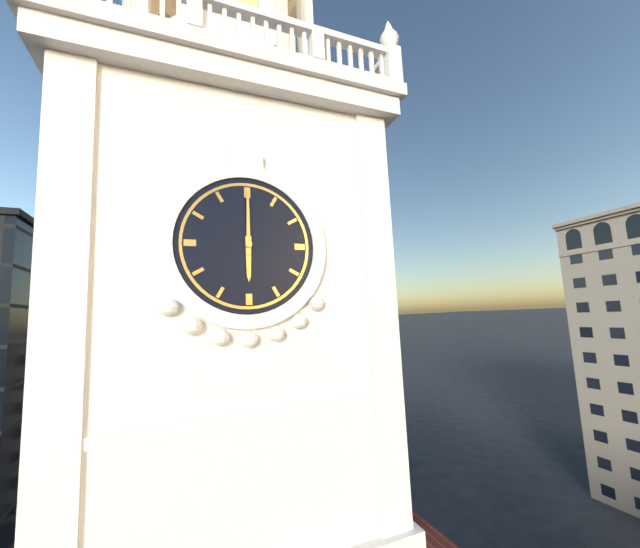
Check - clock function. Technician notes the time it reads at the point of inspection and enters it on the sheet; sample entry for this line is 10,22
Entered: 6,00
